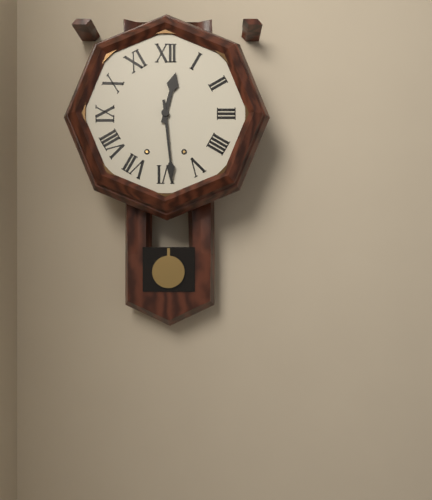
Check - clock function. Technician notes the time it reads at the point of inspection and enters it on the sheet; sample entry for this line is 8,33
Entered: 12,29
